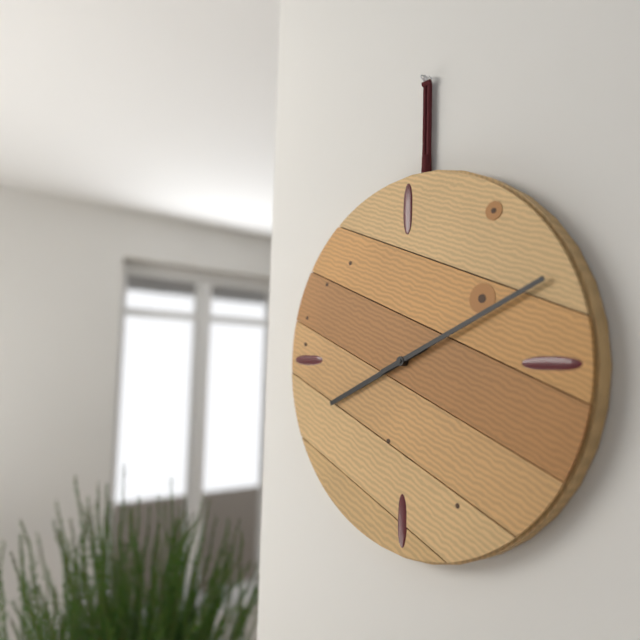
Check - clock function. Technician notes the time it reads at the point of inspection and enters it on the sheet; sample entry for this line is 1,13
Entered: 8,11
